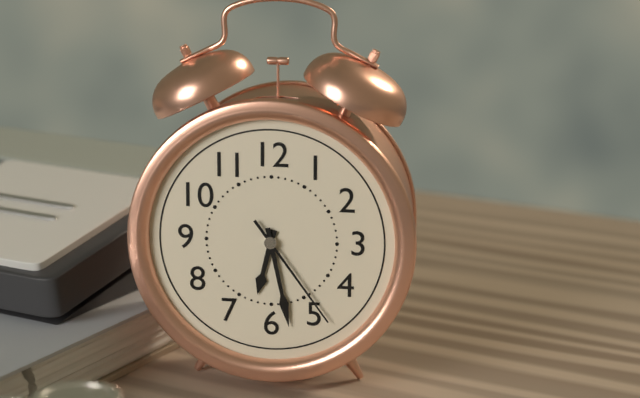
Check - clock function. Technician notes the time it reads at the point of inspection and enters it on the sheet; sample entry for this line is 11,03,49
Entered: 6,28,24
